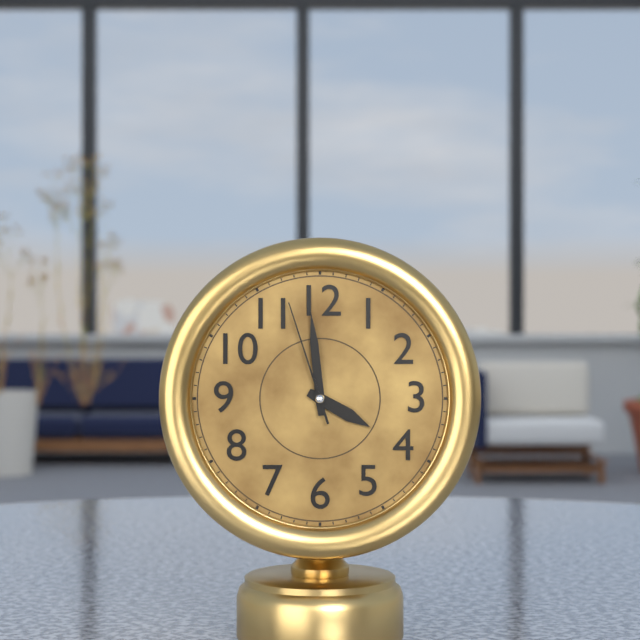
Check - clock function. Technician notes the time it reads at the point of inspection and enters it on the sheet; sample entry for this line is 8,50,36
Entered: 3,59,57
